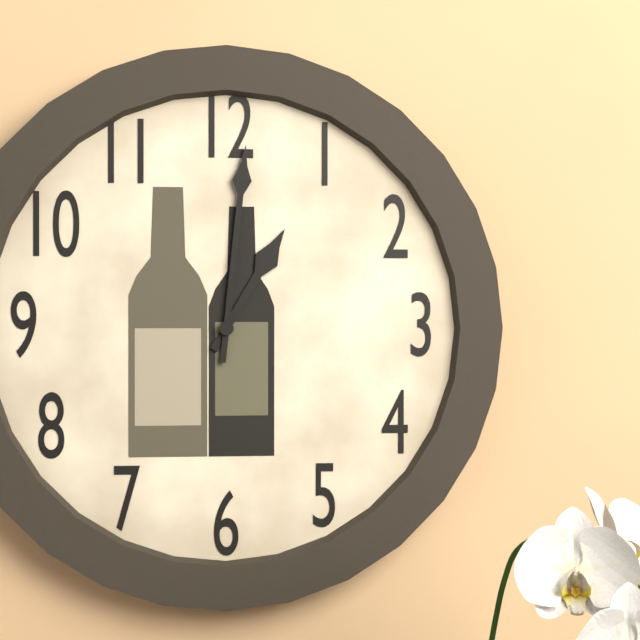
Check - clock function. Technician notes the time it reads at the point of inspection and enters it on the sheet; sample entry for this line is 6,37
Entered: 1,01
